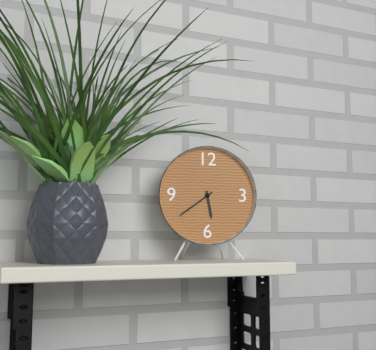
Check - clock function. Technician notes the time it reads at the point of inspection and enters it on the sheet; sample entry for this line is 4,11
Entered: 5,39
